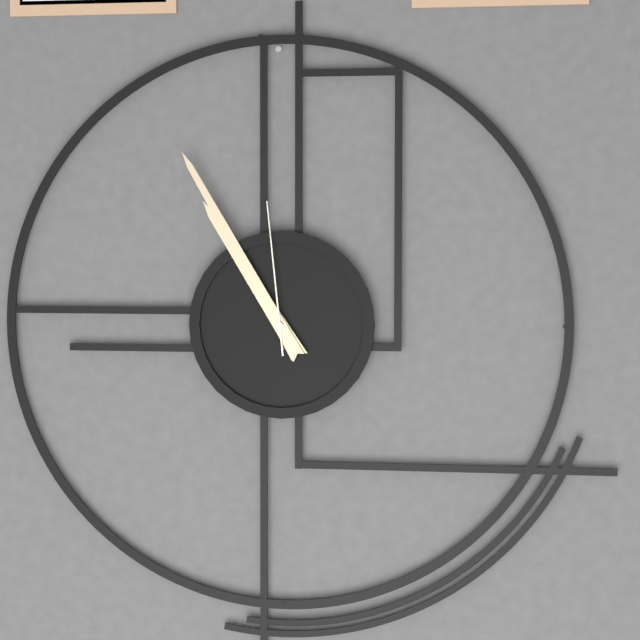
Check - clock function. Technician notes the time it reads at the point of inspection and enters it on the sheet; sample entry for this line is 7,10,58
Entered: 10,55,59
